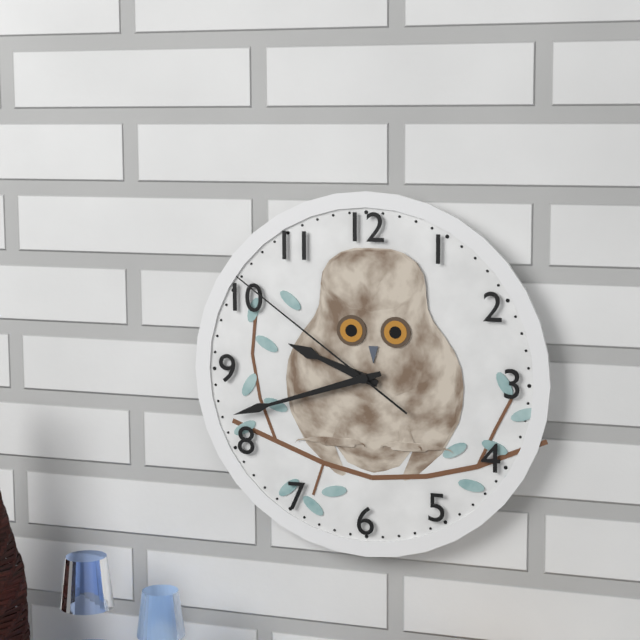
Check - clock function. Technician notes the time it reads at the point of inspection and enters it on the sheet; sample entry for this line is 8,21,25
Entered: 9,42,51
